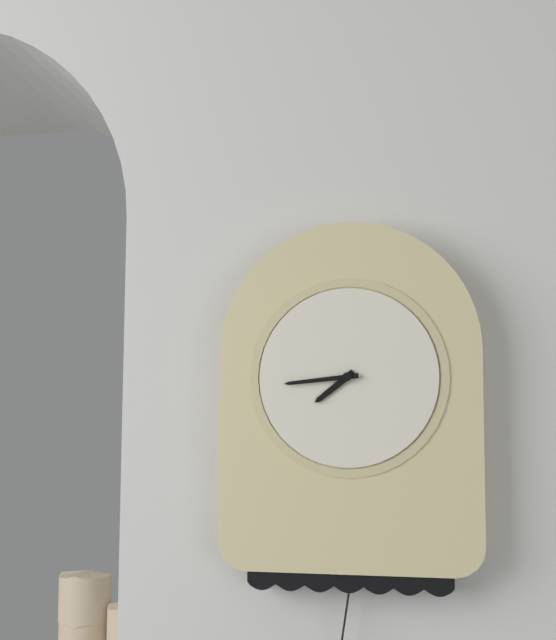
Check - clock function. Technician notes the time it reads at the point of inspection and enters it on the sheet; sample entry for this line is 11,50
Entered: 7,44
